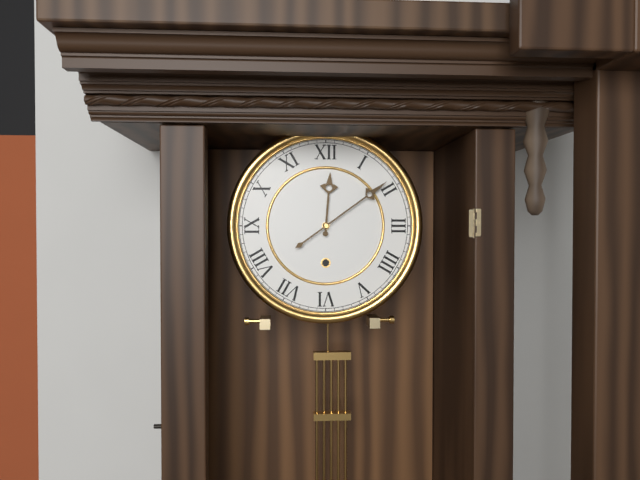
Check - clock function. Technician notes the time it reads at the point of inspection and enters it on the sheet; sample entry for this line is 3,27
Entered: 12,09
